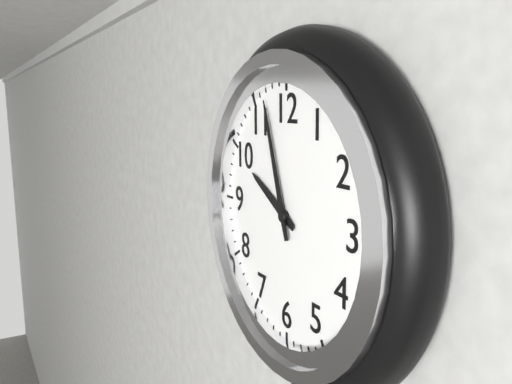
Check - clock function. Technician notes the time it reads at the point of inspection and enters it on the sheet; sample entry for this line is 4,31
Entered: 9,57
